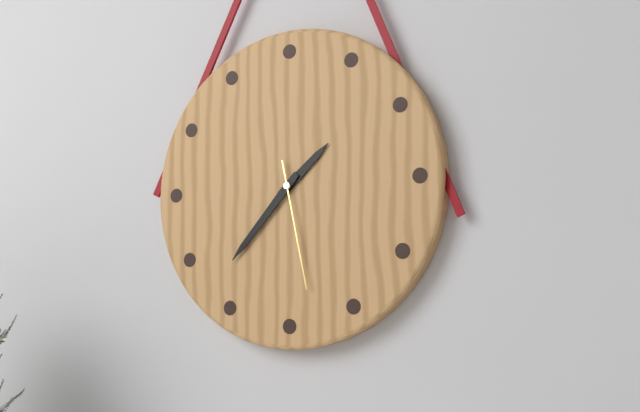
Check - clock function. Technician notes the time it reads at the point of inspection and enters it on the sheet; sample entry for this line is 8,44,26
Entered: 1,37,28
